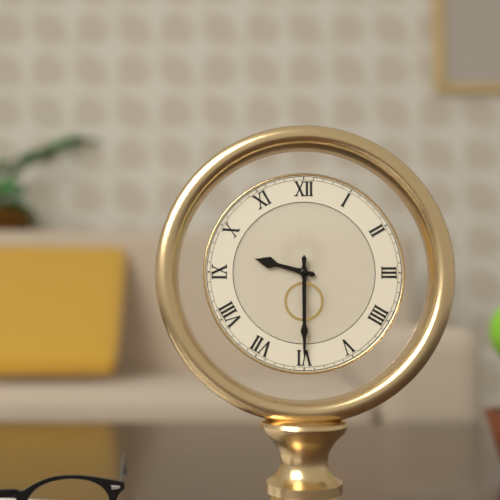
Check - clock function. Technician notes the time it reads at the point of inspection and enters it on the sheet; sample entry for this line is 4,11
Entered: 9,30
